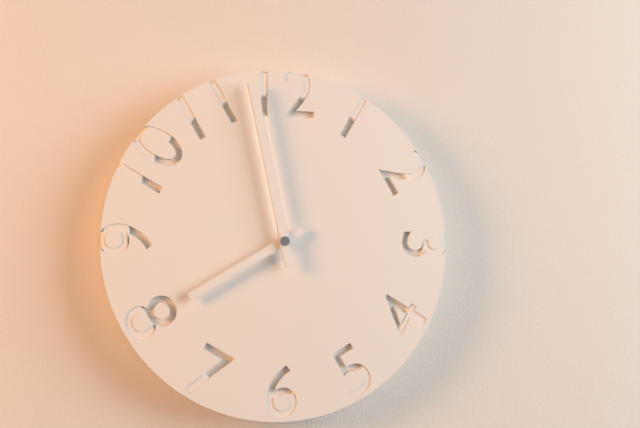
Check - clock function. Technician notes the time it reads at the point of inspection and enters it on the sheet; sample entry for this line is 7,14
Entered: 7,58
